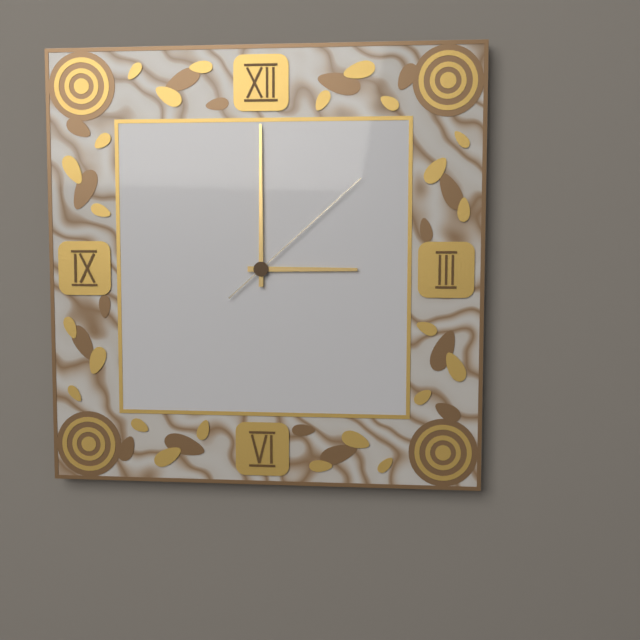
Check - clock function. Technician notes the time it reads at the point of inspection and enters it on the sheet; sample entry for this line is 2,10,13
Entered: 3,00,08
